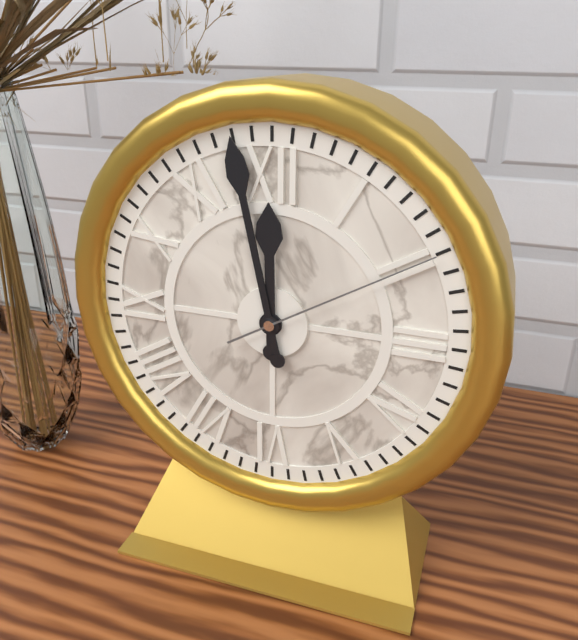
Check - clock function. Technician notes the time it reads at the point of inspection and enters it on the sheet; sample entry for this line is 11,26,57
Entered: 11,58,10
